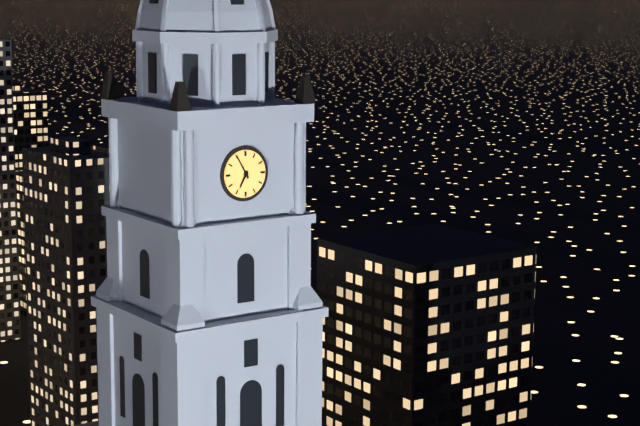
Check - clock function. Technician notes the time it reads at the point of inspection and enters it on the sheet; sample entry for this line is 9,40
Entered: 6,55
